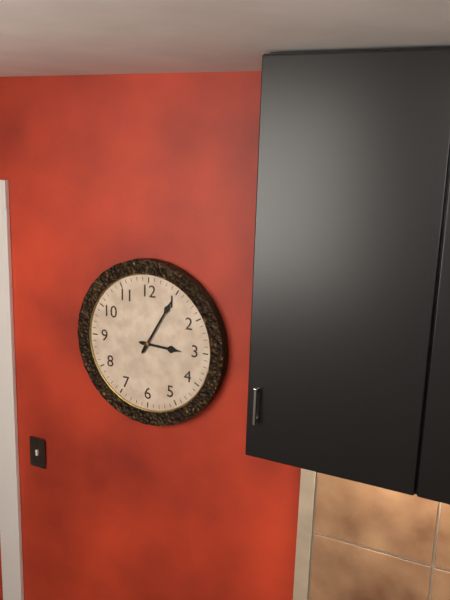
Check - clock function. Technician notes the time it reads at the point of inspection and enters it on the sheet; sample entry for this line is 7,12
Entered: 3,05
